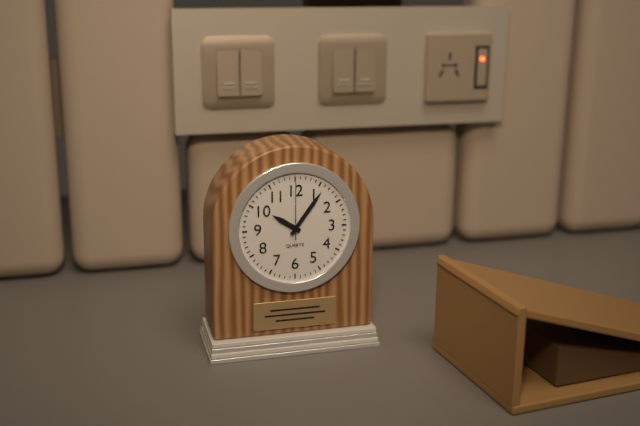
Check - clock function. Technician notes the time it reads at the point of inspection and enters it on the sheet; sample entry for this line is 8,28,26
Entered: 10,06,00
